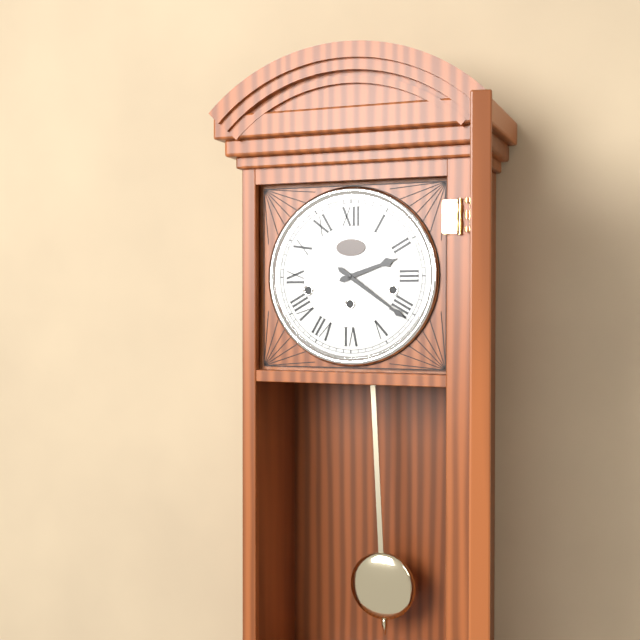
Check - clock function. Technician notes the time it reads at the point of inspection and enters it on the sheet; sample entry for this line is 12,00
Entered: 2,21
